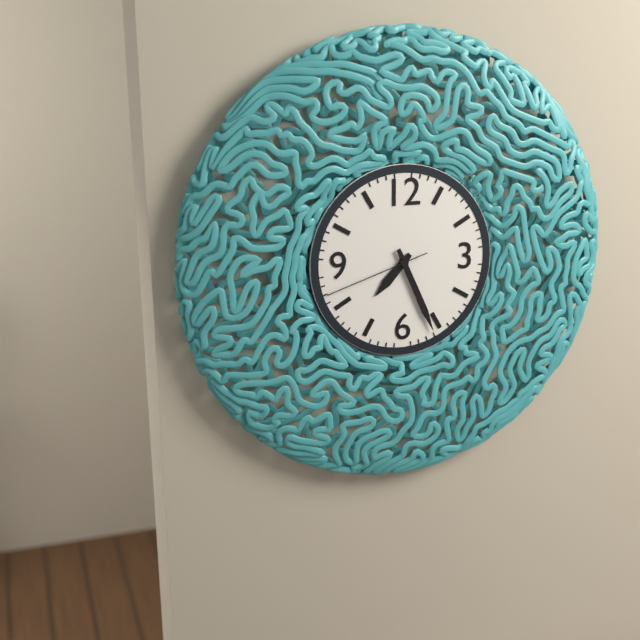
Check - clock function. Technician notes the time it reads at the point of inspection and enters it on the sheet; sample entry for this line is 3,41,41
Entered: 7,26,42
